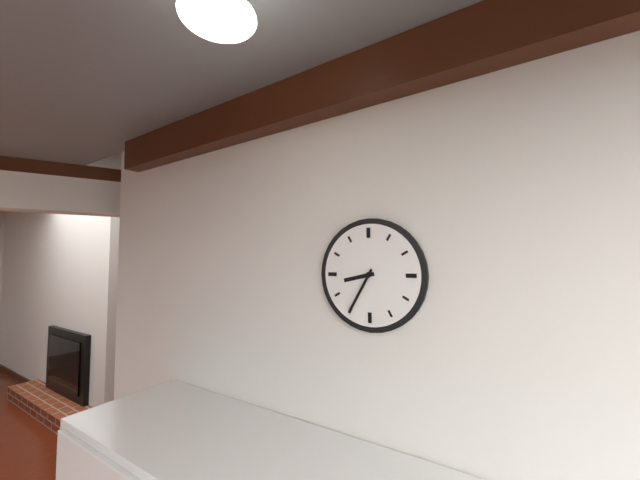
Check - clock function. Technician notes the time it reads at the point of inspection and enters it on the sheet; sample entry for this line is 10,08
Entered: 8,35
